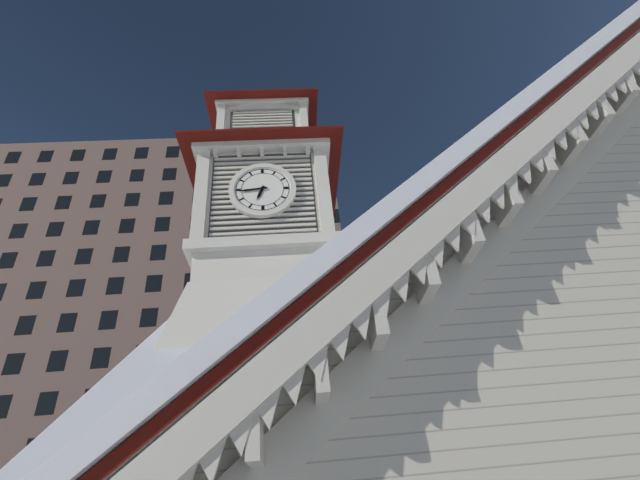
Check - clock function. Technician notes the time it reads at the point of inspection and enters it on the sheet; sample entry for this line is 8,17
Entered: 6,44
